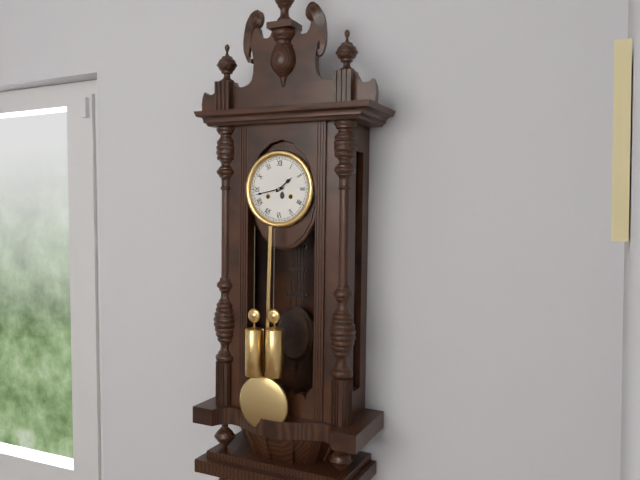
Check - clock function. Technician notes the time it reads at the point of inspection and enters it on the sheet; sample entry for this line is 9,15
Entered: 1,43
